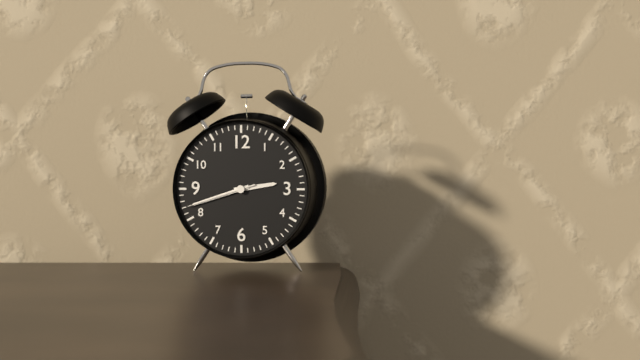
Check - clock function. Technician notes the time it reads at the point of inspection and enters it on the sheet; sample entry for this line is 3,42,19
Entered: 2,42,42
